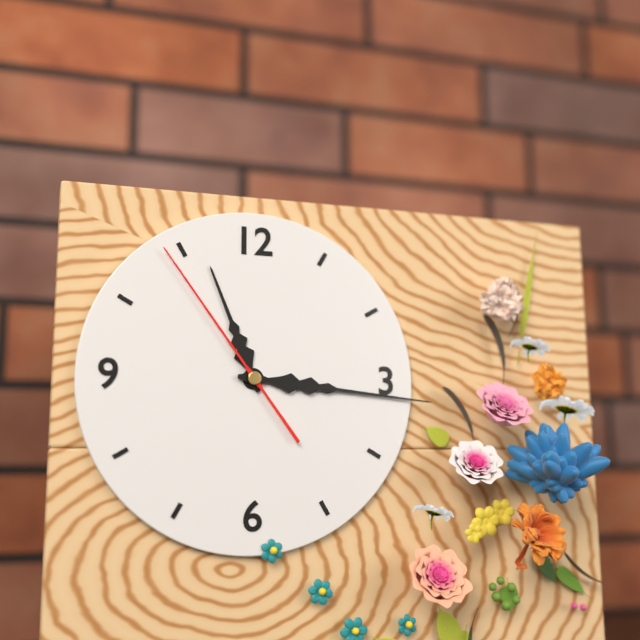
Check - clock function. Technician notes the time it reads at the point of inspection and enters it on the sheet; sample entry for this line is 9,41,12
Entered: 11,16,54
